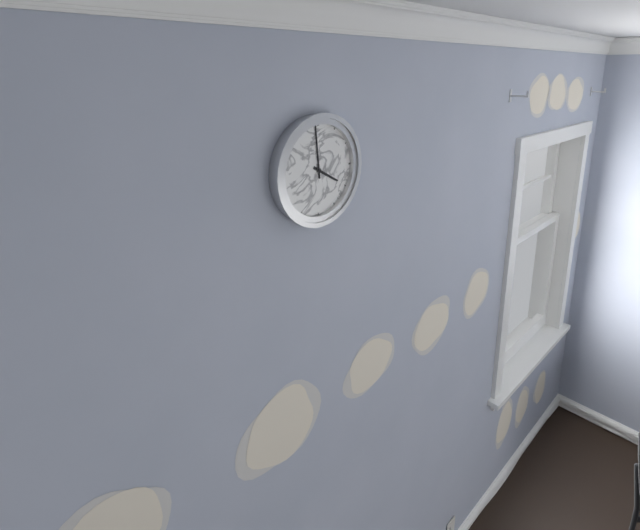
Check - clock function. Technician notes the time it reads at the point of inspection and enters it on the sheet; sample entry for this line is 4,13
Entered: 3,59
